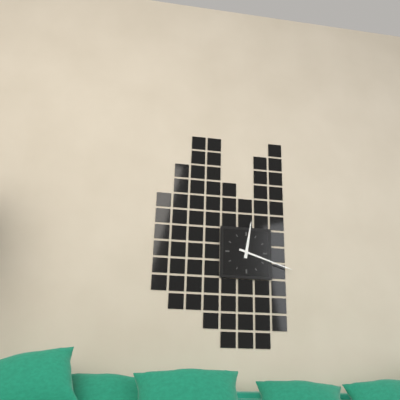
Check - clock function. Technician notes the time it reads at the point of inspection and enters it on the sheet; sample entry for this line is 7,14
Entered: 12,18
